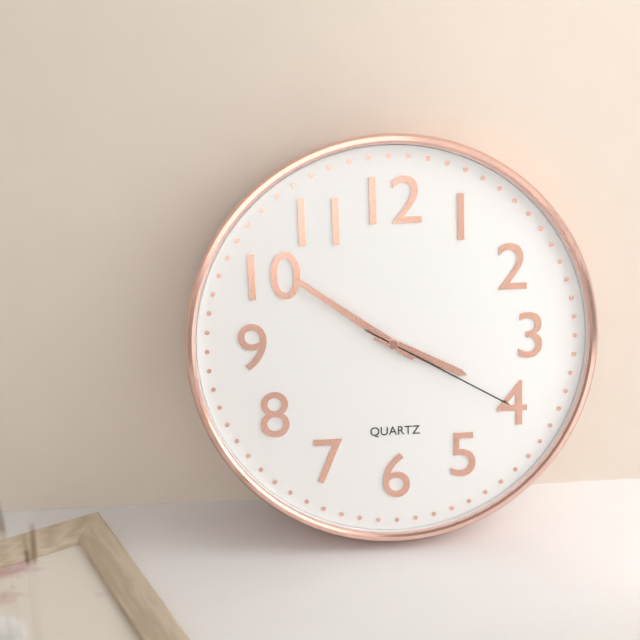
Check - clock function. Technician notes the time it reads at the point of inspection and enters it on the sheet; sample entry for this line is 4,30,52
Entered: 3,51,20
